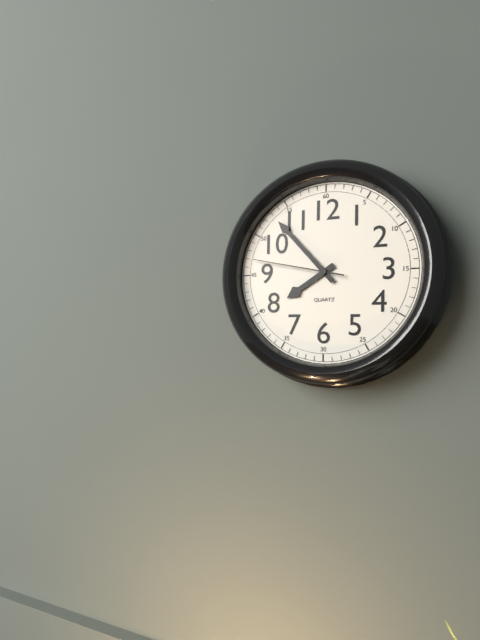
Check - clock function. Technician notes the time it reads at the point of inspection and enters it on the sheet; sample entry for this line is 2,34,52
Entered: 7,53,47
